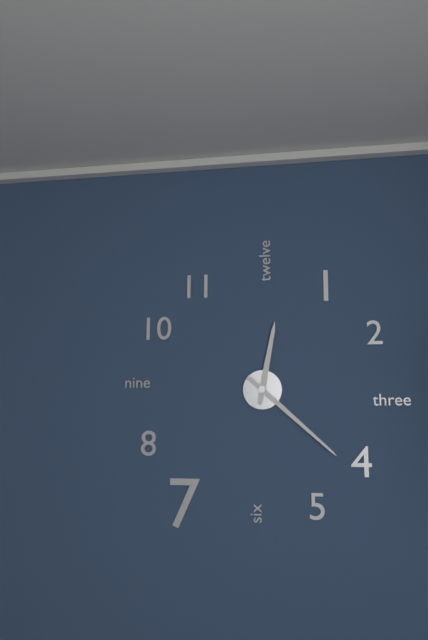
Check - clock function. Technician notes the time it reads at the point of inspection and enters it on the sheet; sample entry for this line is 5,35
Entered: 12,22
